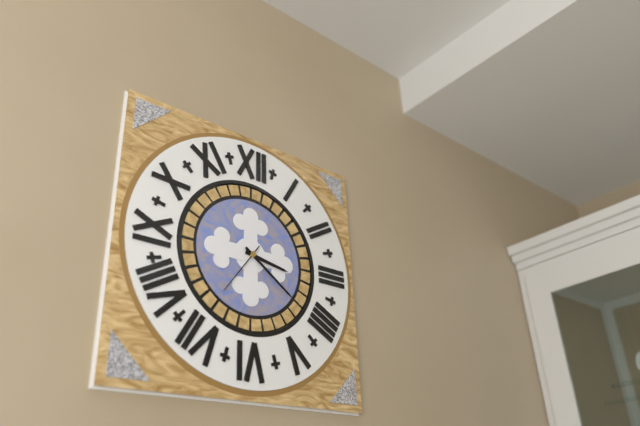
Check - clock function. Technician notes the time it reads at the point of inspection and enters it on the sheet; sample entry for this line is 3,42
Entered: 3,21
